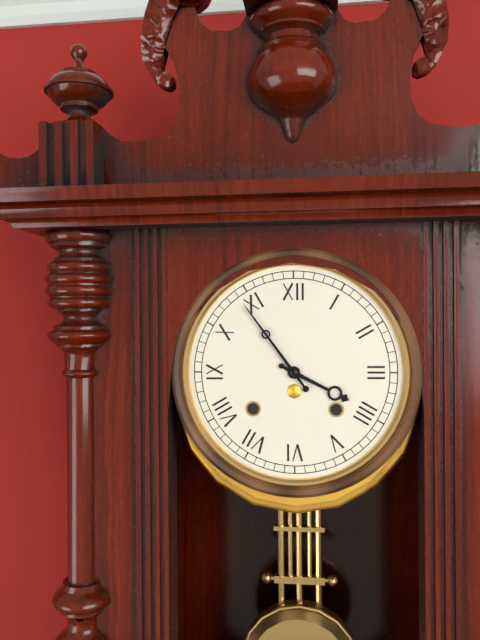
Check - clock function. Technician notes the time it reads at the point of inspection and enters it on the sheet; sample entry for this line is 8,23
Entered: 3,54
